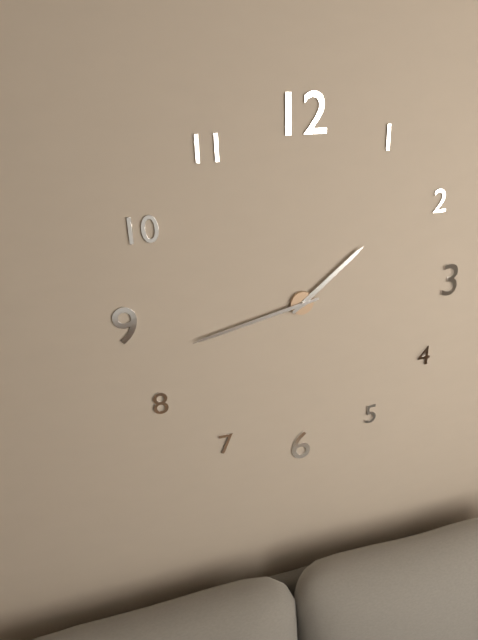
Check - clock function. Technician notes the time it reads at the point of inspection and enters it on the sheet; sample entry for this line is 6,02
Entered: 1,43
